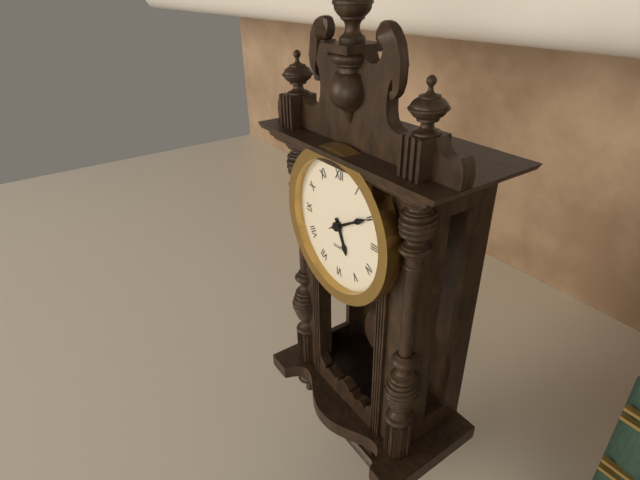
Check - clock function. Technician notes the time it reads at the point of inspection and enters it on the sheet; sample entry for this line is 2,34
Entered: 5,10
